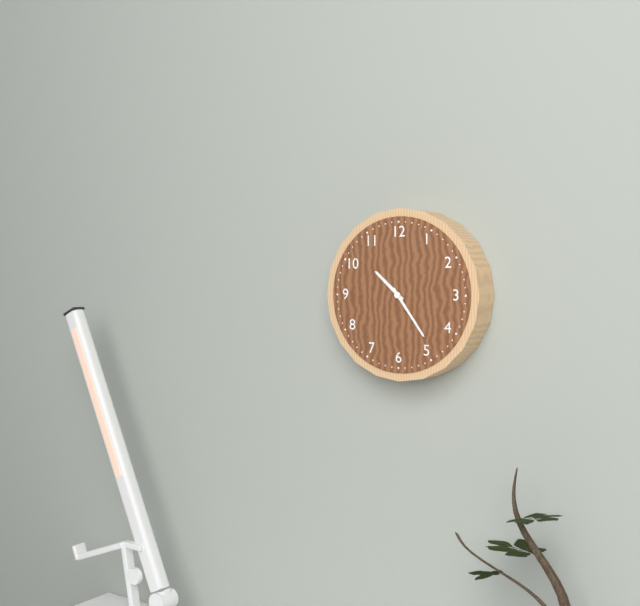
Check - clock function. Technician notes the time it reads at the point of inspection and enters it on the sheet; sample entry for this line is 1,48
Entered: 10,24
